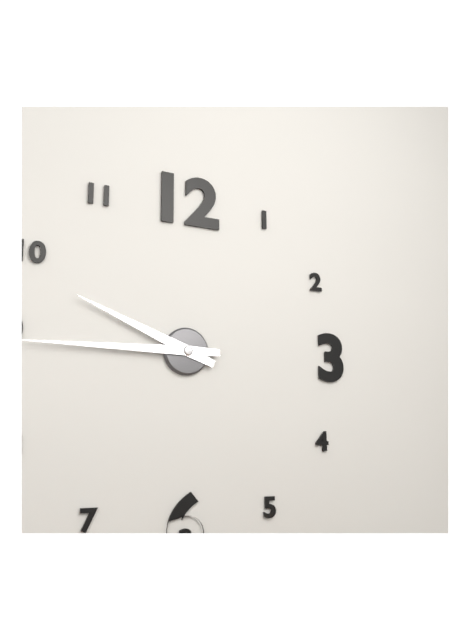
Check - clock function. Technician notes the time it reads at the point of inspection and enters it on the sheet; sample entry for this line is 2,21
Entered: 9,45
